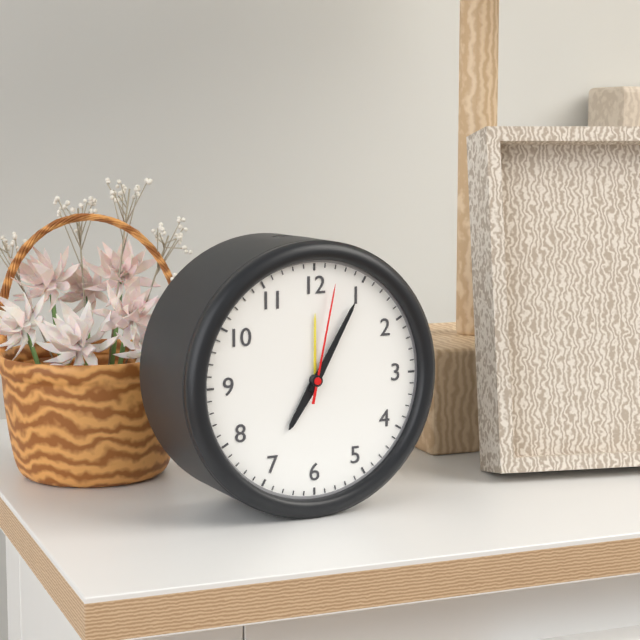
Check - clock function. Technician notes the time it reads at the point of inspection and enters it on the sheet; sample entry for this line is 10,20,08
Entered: 7,05,02
